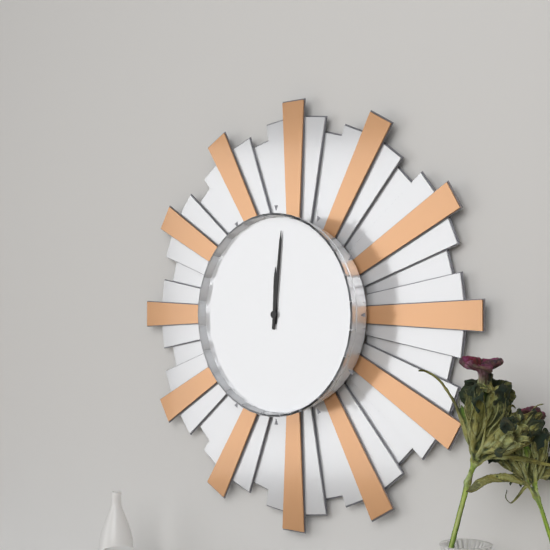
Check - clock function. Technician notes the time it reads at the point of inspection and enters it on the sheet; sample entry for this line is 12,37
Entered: 12,01
